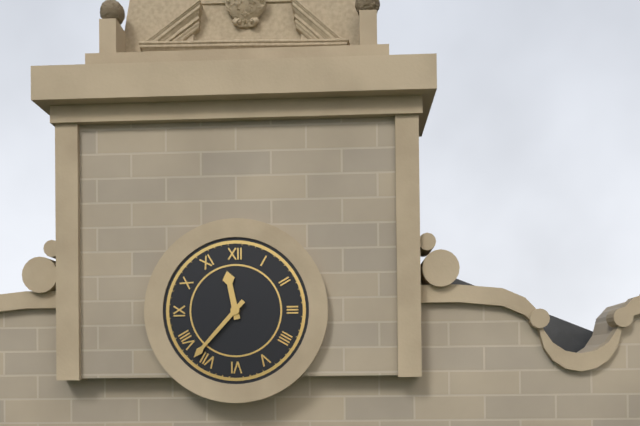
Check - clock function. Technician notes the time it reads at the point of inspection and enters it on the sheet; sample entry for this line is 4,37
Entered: 11,37
